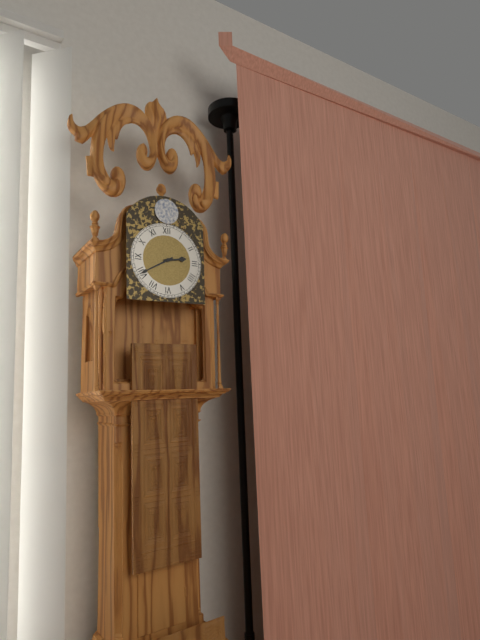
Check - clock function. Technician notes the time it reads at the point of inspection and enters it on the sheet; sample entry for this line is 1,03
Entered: 2,40
